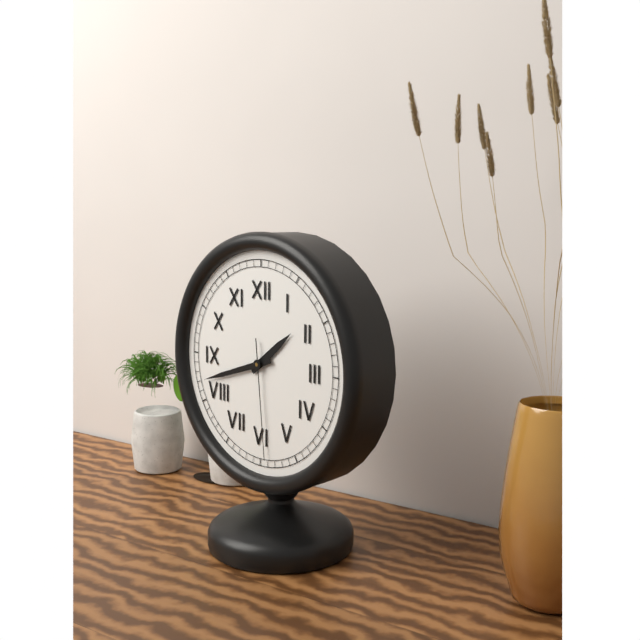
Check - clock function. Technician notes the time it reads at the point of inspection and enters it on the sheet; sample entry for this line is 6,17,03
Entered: 1,42,29
